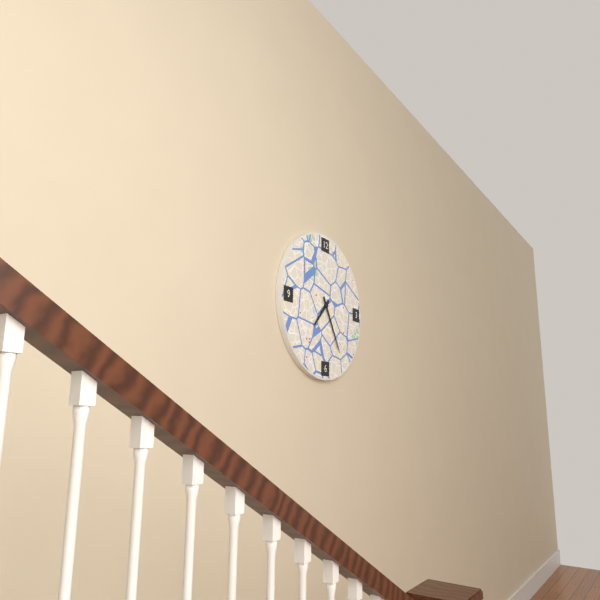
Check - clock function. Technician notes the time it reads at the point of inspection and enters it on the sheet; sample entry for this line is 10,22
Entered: 7,25
